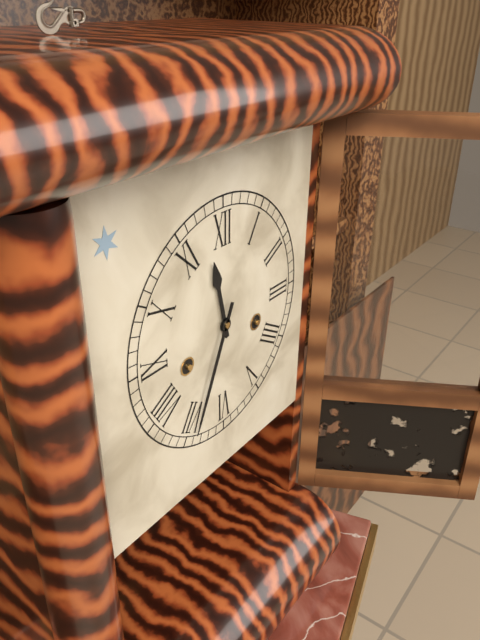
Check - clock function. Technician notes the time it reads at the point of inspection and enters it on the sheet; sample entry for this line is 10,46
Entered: 11,34
